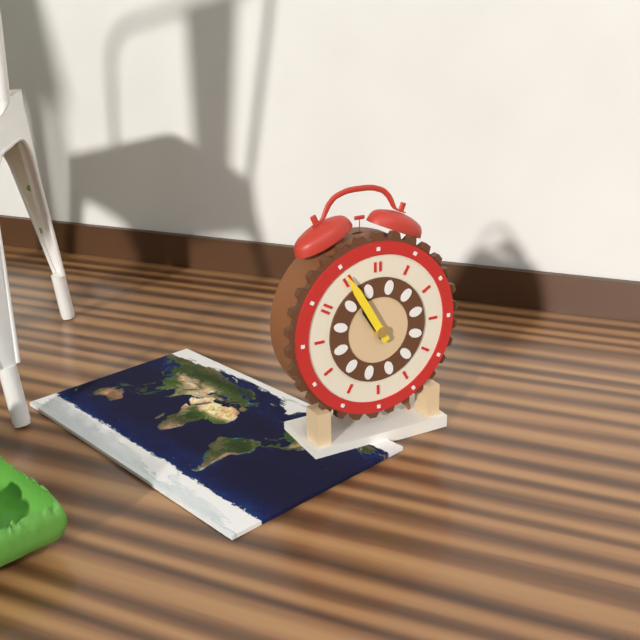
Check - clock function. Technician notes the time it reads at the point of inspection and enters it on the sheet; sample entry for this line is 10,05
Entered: 10,55
